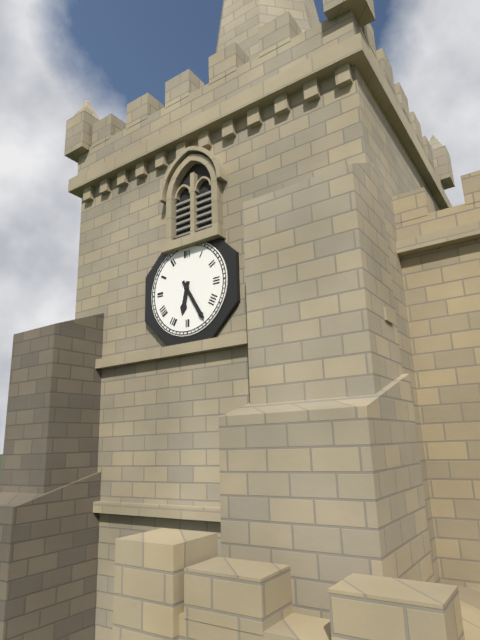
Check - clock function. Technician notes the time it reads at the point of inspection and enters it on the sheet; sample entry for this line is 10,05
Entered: 6,25
